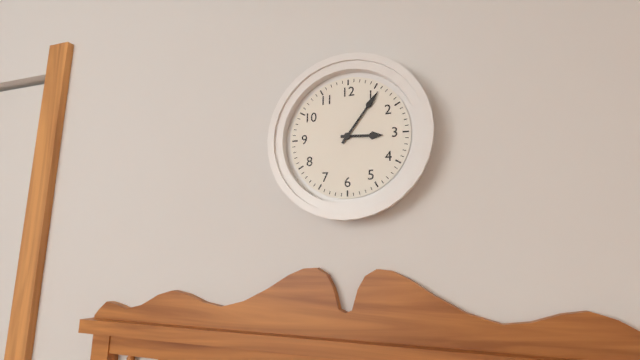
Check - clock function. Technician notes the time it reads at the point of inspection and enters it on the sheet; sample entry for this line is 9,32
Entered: 3,06
